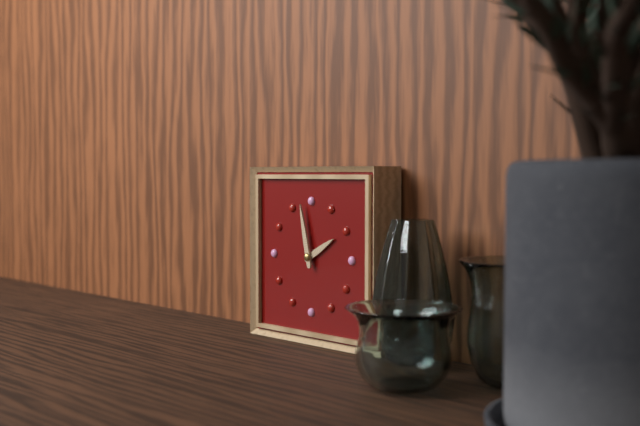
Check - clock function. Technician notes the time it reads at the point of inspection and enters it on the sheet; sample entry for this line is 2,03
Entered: 1,58
